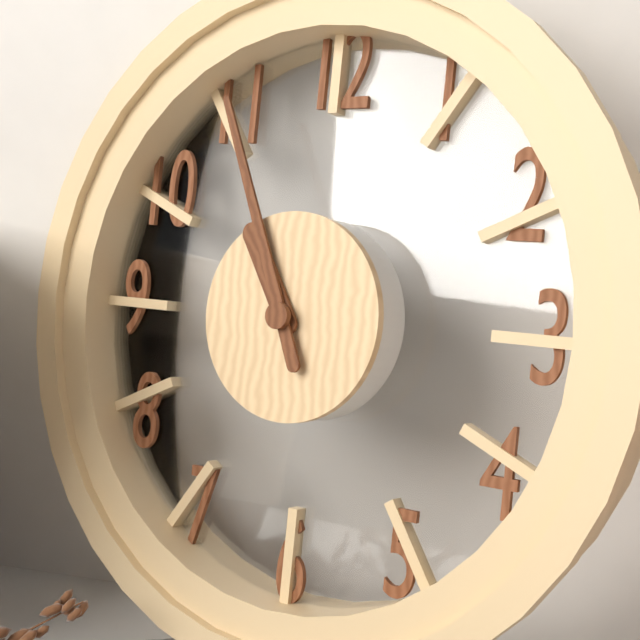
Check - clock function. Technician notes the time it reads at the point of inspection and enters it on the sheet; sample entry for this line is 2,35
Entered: 10,56
